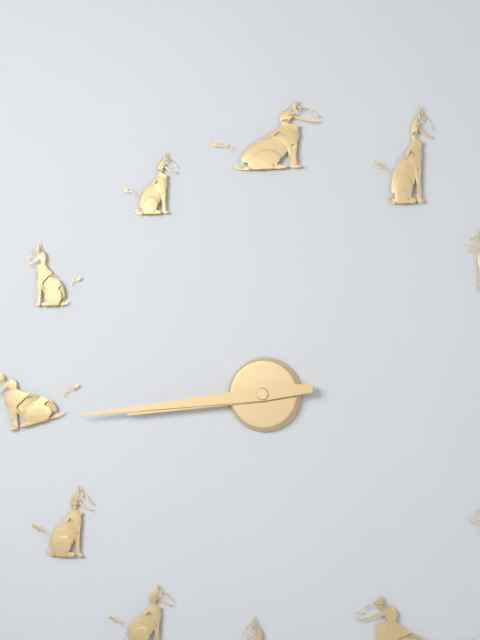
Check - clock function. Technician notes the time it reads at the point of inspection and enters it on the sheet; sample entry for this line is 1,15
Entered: 8,44
